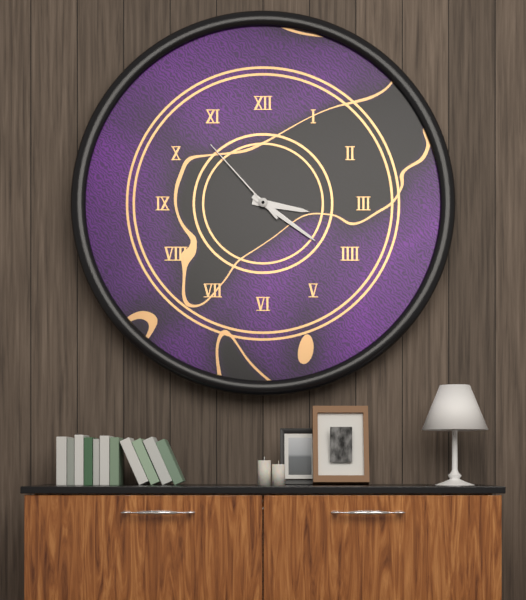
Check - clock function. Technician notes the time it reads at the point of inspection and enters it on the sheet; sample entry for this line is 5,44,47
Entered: 3,21,53
